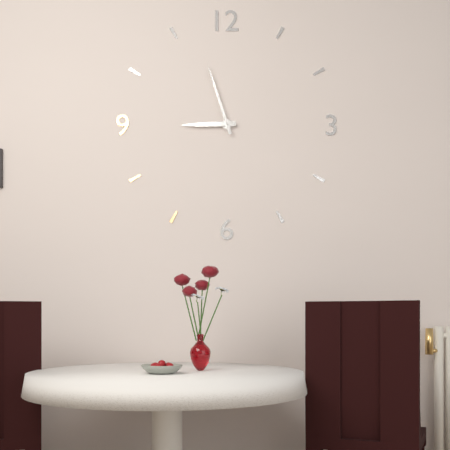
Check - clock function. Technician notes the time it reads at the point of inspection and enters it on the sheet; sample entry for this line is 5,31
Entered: 8,57
